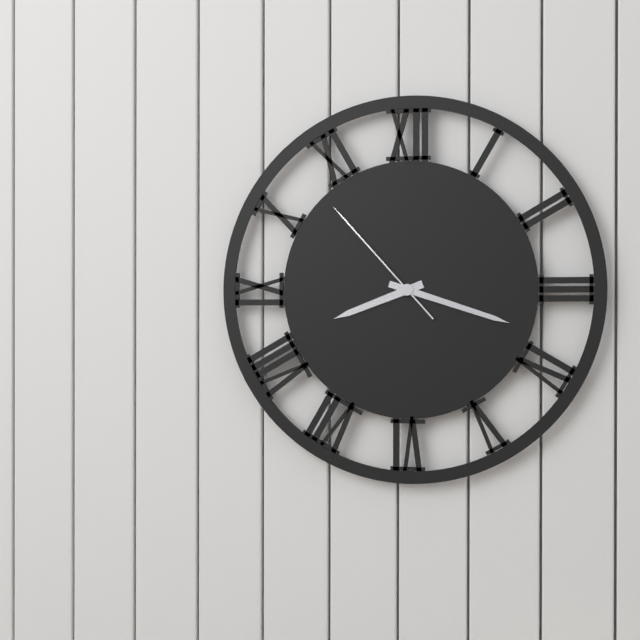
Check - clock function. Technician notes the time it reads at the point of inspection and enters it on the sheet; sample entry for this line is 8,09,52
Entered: 8,18,53
